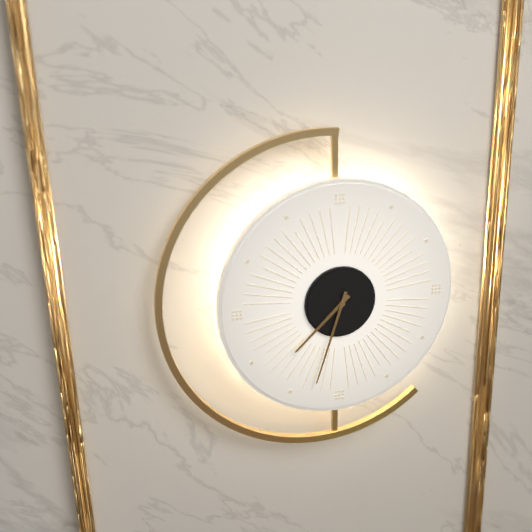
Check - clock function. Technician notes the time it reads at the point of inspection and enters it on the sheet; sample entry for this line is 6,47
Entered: 7,33
